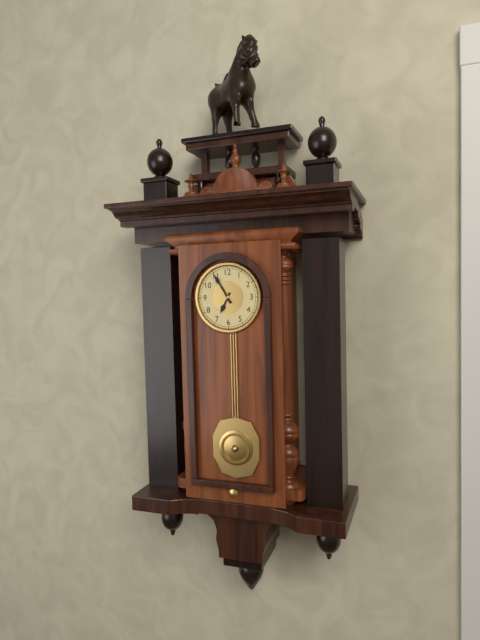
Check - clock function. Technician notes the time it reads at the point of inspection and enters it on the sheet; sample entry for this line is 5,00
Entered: 6,55
